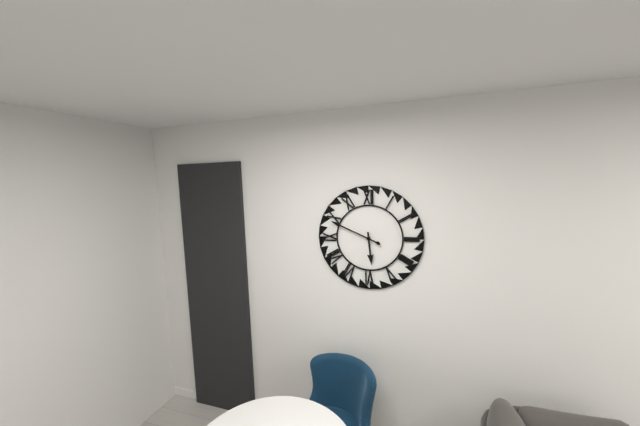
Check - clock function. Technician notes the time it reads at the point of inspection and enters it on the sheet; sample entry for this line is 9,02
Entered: 5,49
